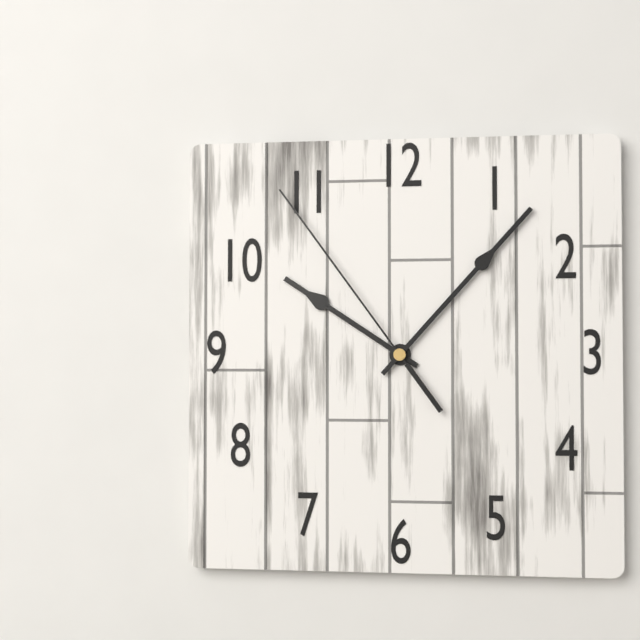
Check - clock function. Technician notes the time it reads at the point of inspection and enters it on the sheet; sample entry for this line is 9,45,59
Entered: 10,07,54
